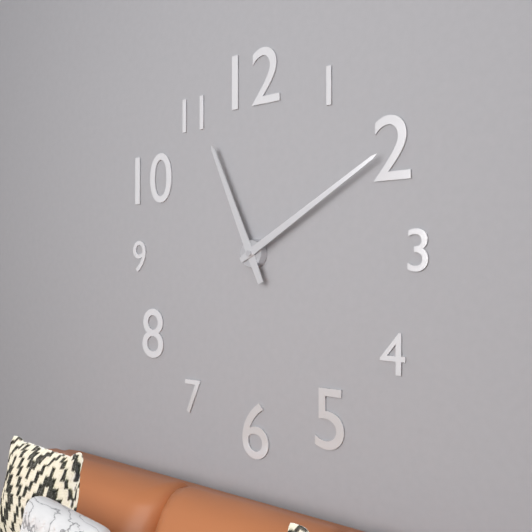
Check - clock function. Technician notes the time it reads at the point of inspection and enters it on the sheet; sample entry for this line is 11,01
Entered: 11,10
